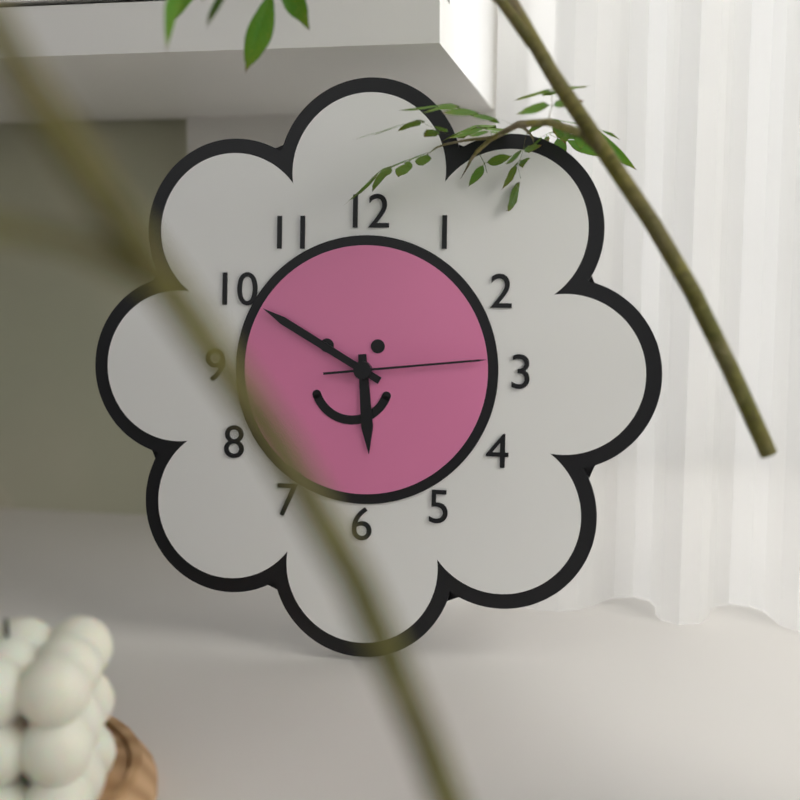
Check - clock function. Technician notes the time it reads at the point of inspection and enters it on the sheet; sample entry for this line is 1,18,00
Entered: 5,50,14
